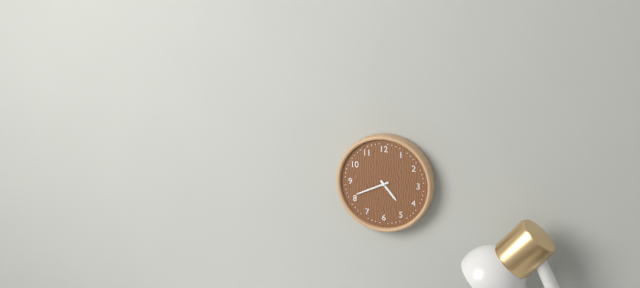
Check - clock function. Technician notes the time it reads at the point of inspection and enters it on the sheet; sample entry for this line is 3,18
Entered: 4,41
